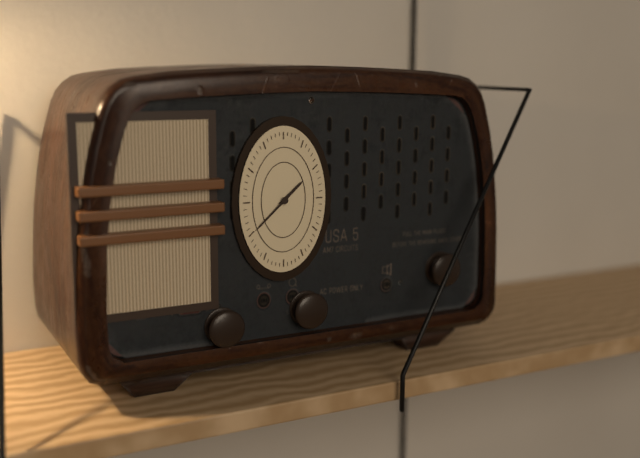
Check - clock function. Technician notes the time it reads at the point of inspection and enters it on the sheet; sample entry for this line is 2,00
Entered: 1,38
